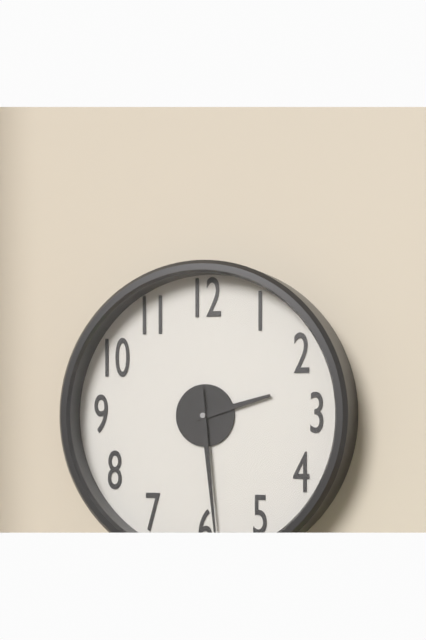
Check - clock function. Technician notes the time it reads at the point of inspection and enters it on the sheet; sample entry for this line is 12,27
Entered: 2,29
